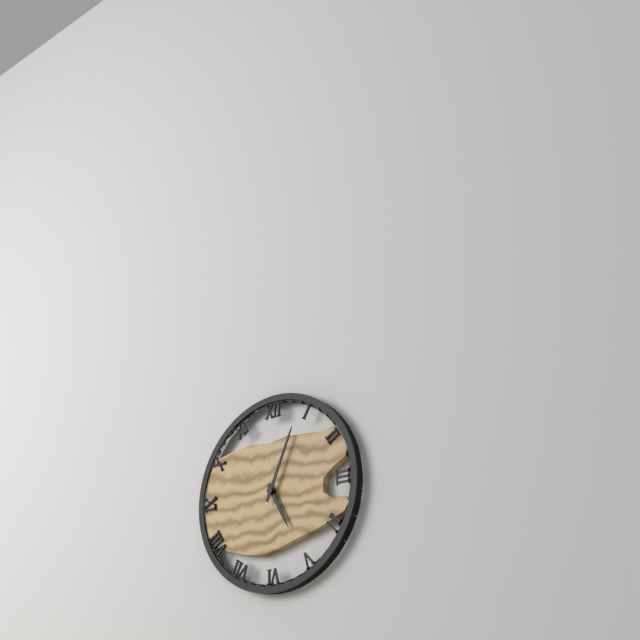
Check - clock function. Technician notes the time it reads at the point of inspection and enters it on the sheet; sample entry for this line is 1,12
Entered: 5,04
